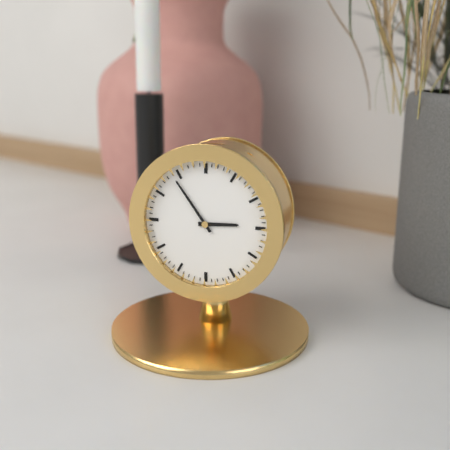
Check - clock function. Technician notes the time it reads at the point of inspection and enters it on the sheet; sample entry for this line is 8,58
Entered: 2,54
